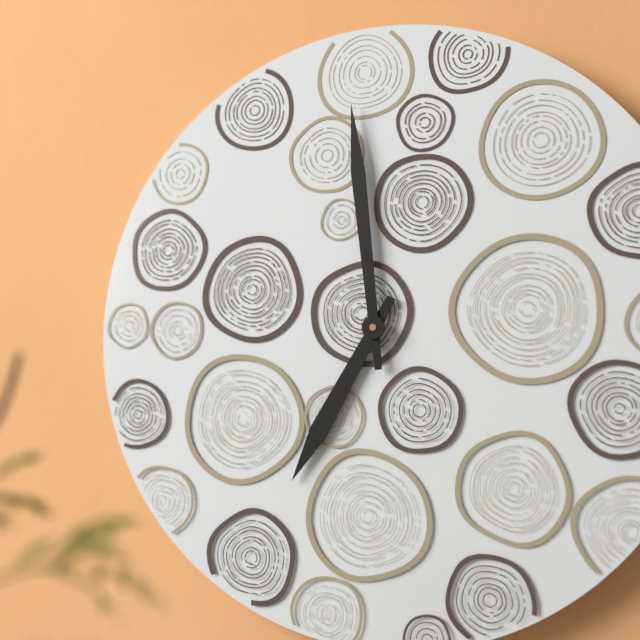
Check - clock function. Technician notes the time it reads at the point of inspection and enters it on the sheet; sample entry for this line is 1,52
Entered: 6,59
